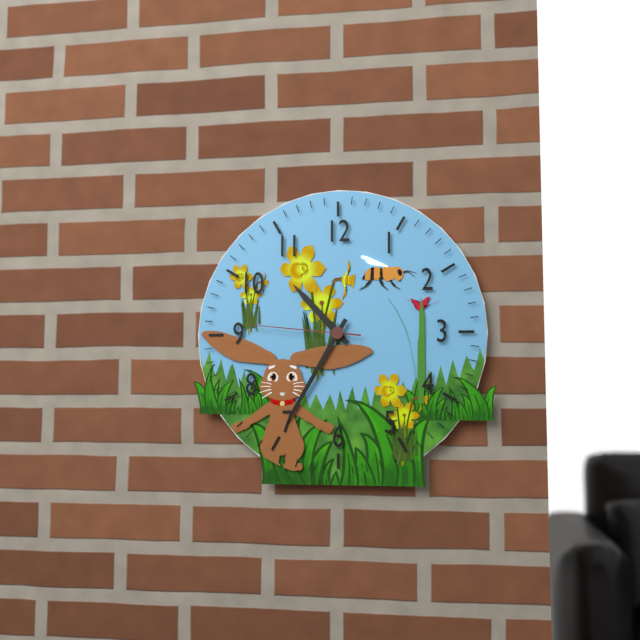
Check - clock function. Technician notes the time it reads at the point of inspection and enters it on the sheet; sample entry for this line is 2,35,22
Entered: 10,35,46
